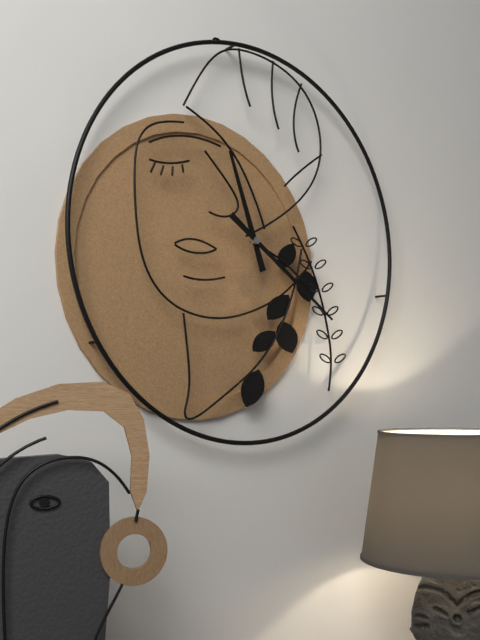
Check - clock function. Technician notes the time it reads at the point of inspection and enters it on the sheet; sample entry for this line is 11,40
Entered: 11,21
